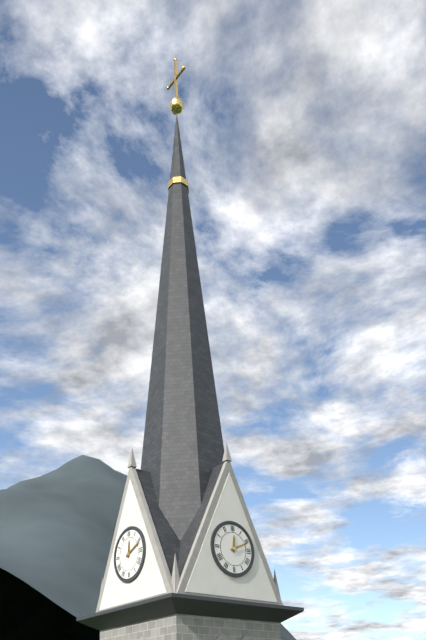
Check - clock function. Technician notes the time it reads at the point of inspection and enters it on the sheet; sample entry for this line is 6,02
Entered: 12,11
